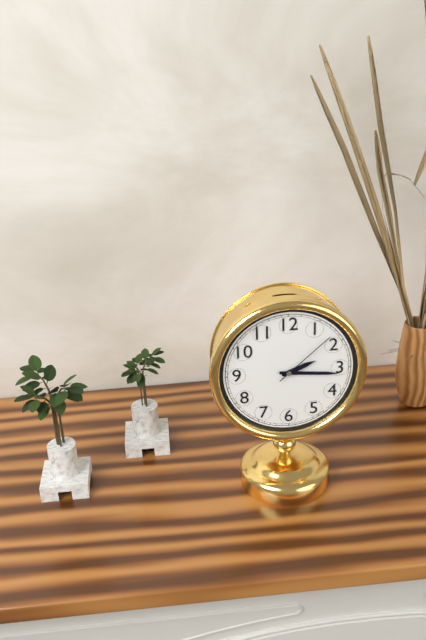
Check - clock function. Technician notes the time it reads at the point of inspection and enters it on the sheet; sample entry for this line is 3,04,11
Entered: 2,16,08
